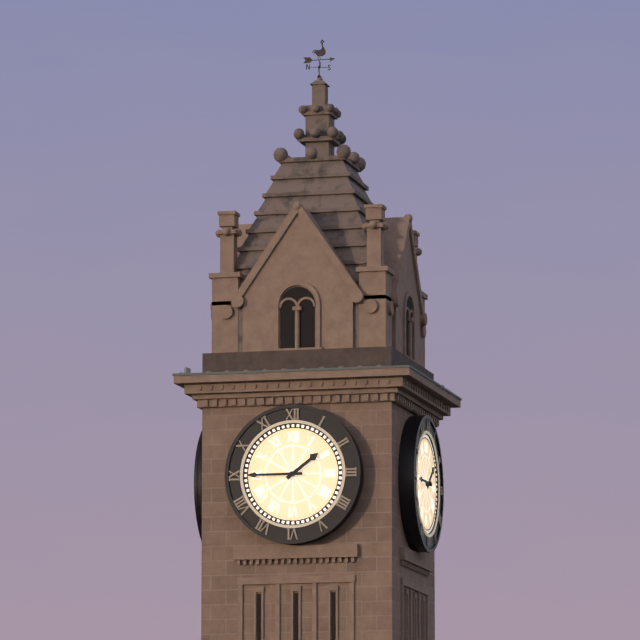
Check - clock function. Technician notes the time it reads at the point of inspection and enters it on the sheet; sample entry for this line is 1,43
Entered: 1,45
